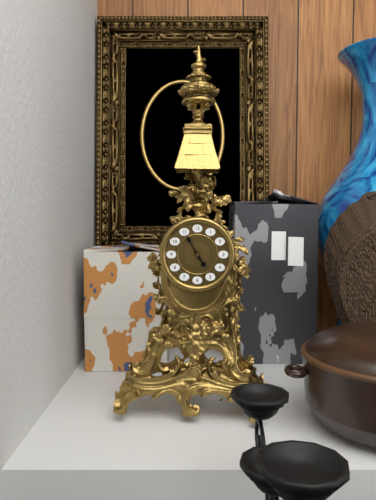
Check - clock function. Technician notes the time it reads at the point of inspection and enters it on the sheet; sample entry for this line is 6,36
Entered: 4,55
